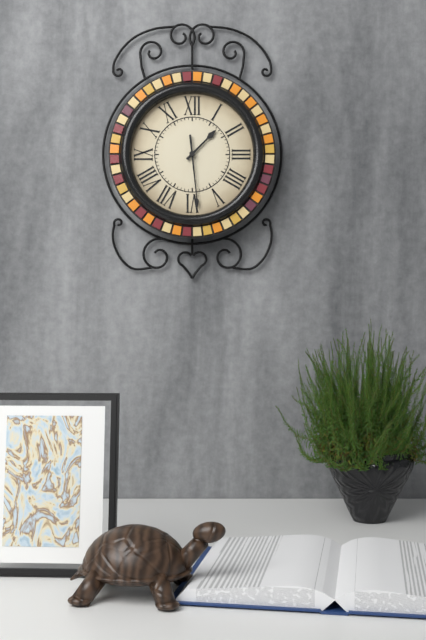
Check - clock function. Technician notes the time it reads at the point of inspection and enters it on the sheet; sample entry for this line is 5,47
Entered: 1,29
